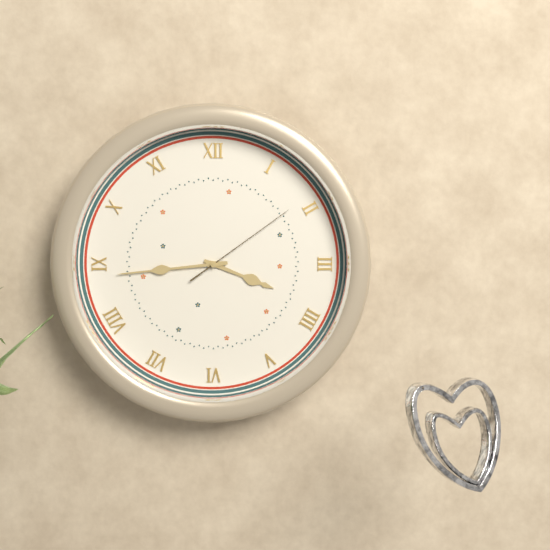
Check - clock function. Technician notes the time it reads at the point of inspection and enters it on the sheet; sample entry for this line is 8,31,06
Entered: 3,44,09
